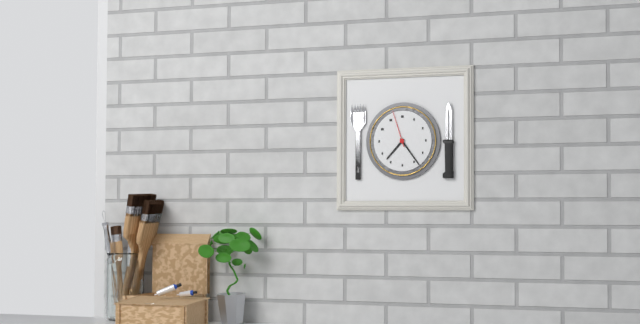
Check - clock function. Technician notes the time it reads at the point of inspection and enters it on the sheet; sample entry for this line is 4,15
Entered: 7,24
